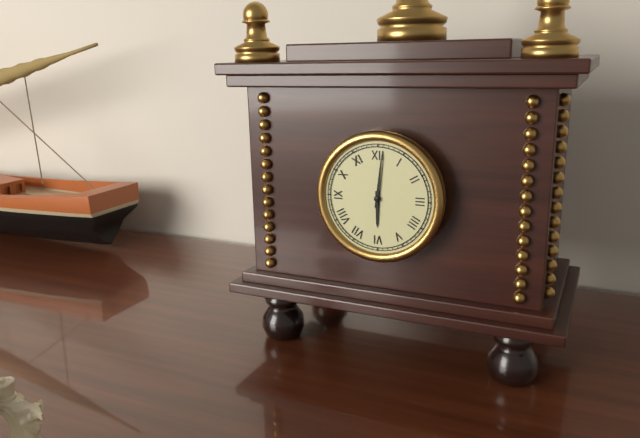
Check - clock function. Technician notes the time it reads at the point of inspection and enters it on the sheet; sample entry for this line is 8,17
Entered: 6,01
